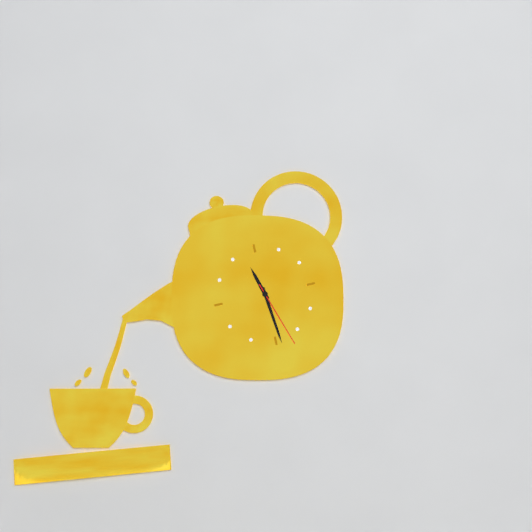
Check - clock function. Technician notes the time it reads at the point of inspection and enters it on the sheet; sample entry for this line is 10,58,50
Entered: 11,29,27
